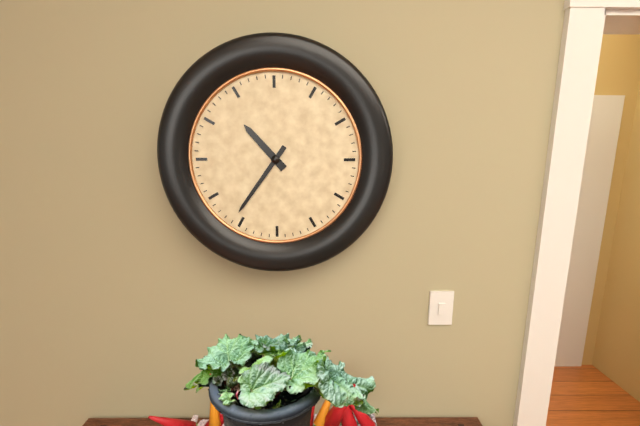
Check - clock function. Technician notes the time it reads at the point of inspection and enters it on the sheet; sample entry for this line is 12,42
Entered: 10,36
